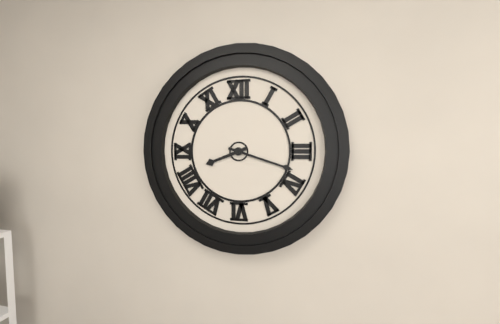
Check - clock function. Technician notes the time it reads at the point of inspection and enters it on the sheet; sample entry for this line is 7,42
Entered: 8,18
